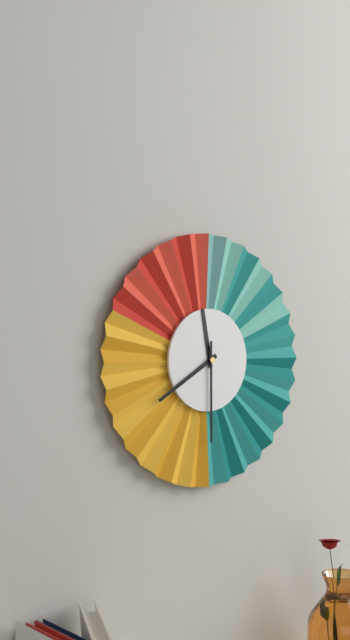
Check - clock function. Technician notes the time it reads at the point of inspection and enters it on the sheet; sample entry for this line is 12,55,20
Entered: 11,40,30
